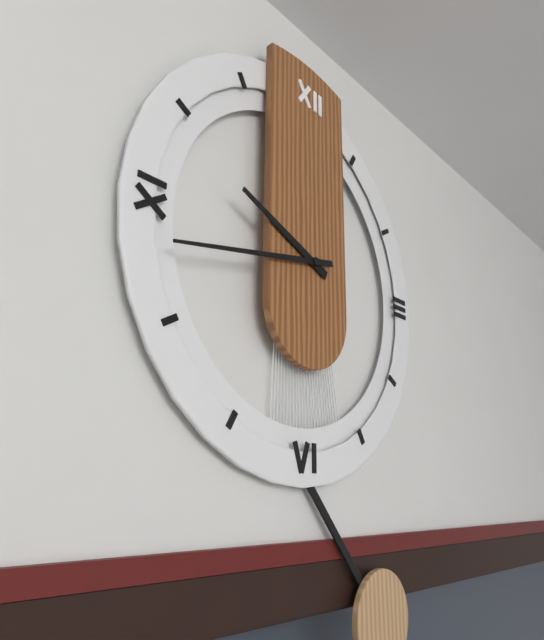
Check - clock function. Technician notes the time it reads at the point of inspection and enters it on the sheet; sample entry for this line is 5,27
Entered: 9,43
